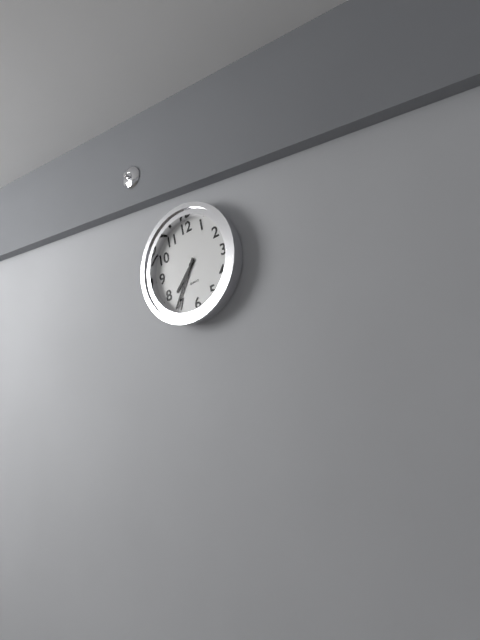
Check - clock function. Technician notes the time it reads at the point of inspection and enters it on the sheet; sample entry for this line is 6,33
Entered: 7,36
